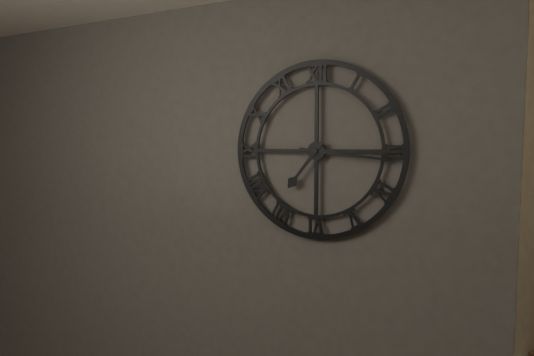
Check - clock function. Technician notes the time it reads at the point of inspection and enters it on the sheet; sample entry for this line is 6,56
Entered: 7,16
